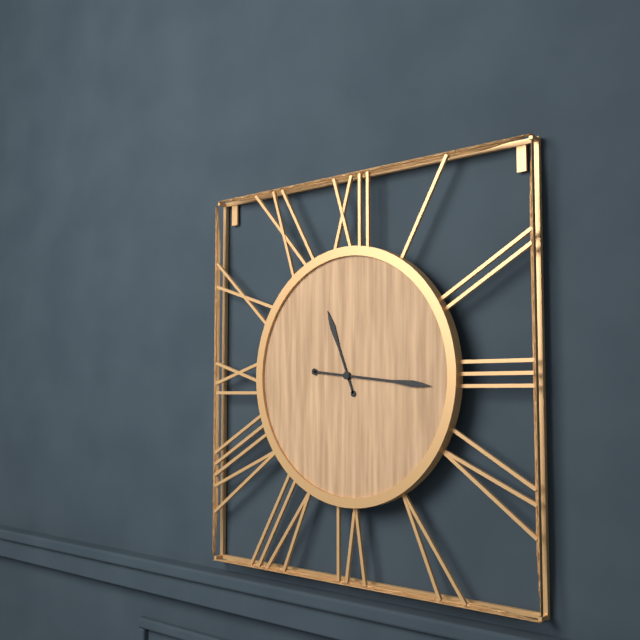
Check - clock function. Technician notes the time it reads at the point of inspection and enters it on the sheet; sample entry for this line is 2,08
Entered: 11,16
